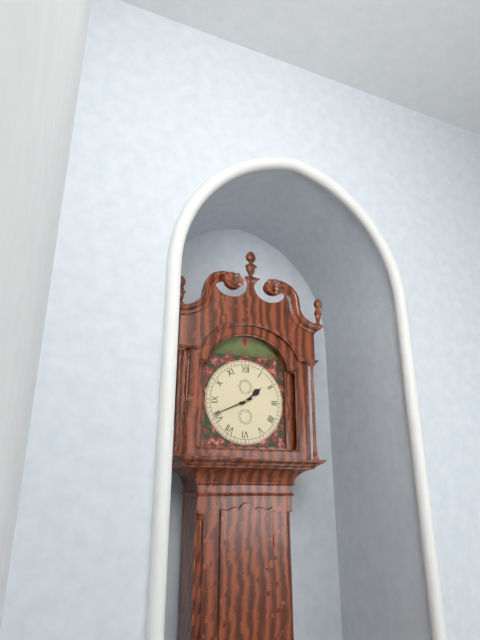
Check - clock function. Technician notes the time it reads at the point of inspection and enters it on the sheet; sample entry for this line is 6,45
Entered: 1,41
